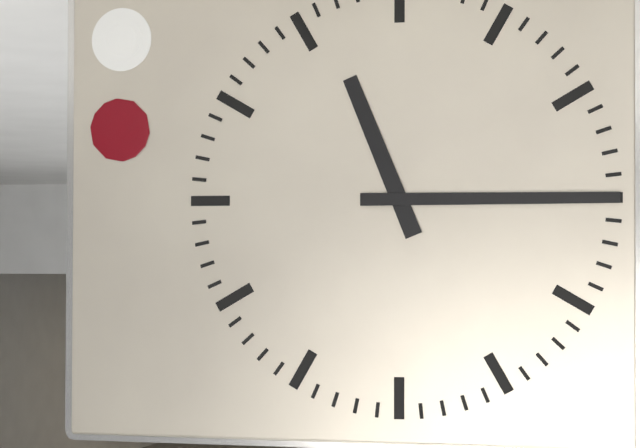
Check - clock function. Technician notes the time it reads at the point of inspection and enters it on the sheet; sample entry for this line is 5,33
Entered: 11,15
